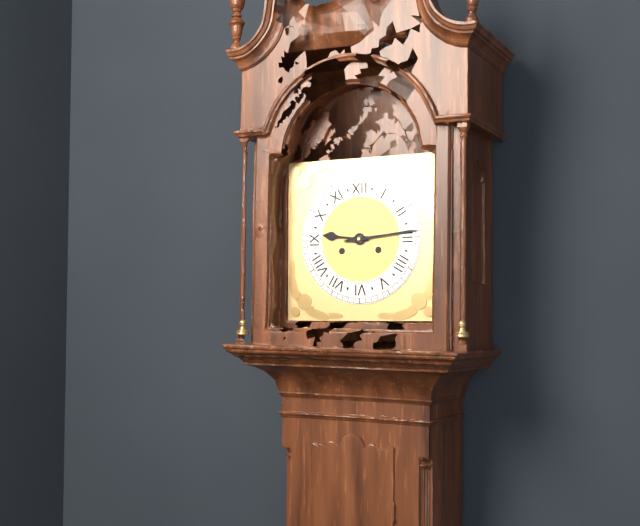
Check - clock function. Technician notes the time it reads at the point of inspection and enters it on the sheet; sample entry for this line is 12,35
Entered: 9,14
